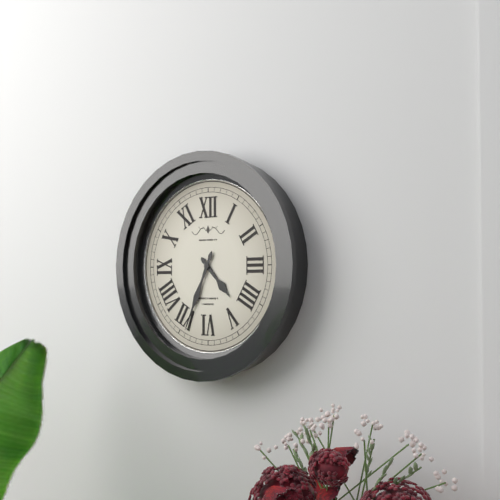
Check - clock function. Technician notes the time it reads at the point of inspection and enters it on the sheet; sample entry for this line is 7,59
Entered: 4,34
